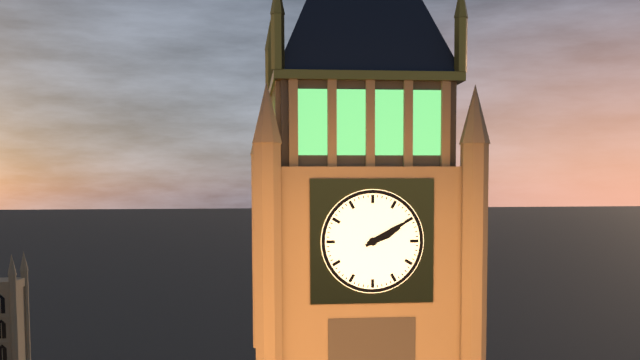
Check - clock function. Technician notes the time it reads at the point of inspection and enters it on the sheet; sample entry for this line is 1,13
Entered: 2,10
